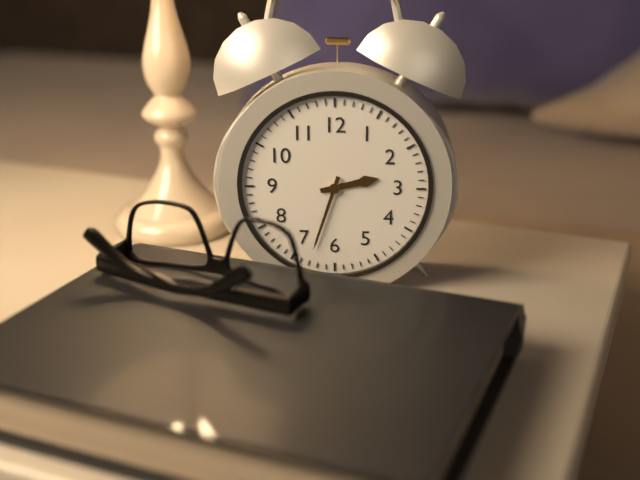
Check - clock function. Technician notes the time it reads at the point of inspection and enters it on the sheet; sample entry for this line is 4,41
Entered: 2,33
